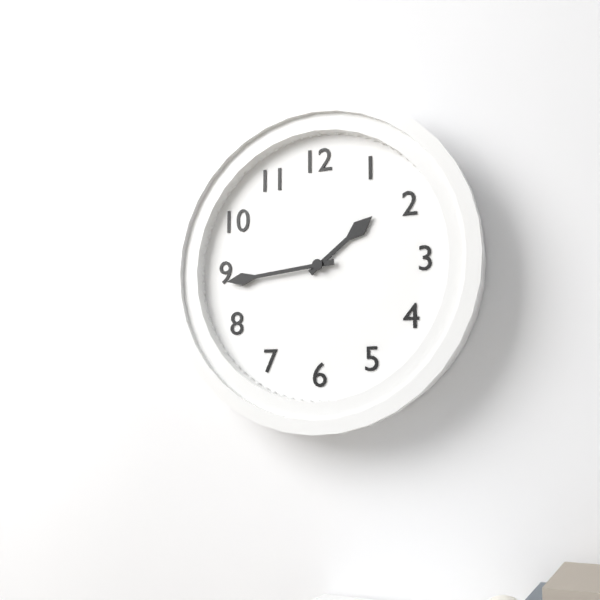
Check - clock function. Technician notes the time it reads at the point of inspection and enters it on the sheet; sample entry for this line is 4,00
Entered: 1,44
